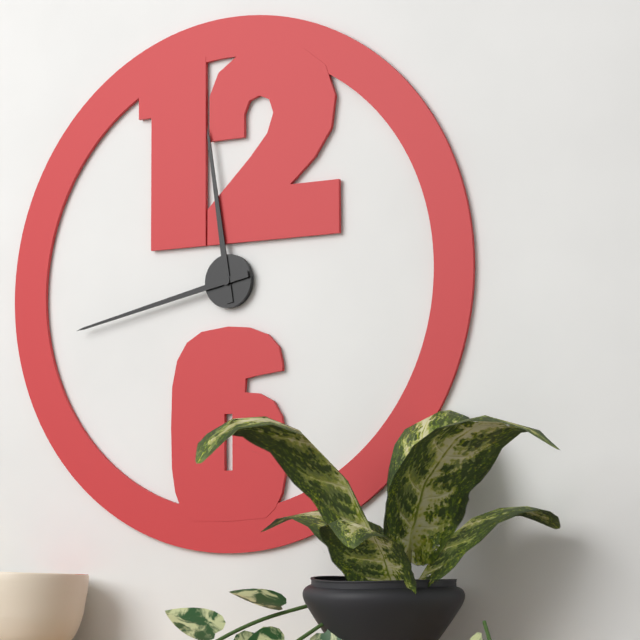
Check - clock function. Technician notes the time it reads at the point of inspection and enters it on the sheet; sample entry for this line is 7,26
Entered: 11,43
